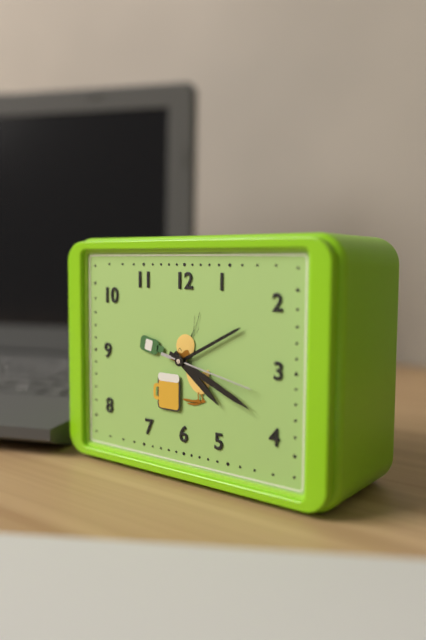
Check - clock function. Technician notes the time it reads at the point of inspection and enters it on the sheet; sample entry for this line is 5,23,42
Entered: 4,19,17
